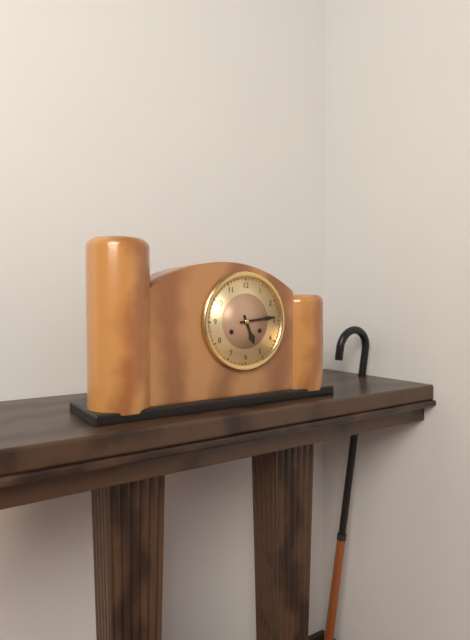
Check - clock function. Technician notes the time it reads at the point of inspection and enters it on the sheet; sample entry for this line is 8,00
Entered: 5,14
